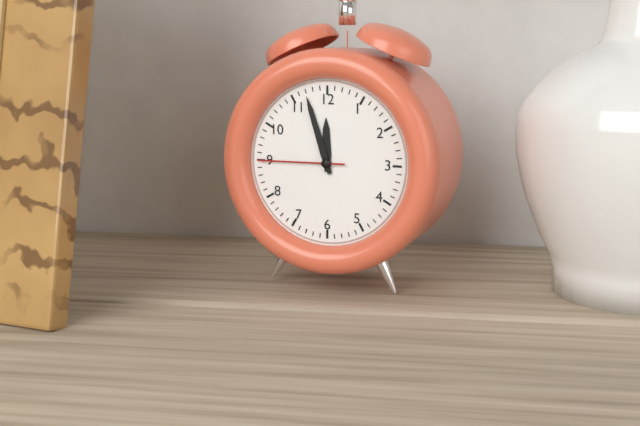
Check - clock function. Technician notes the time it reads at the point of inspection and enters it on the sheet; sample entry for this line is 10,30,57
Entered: 11,57,45
